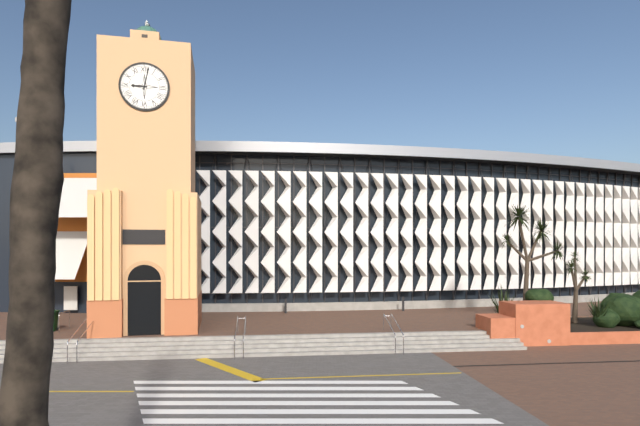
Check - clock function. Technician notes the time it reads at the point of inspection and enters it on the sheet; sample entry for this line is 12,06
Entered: 9,02
